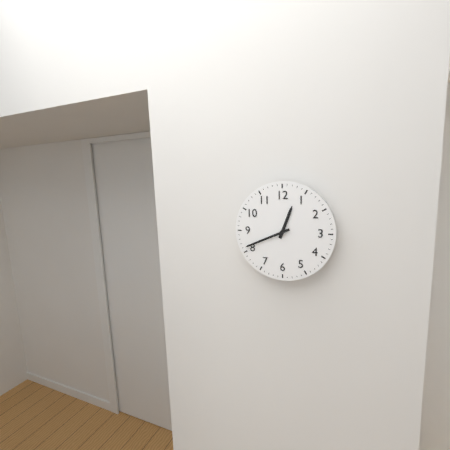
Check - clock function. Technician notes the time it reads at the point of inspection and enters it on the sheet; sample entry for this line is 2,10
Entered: 12,41
